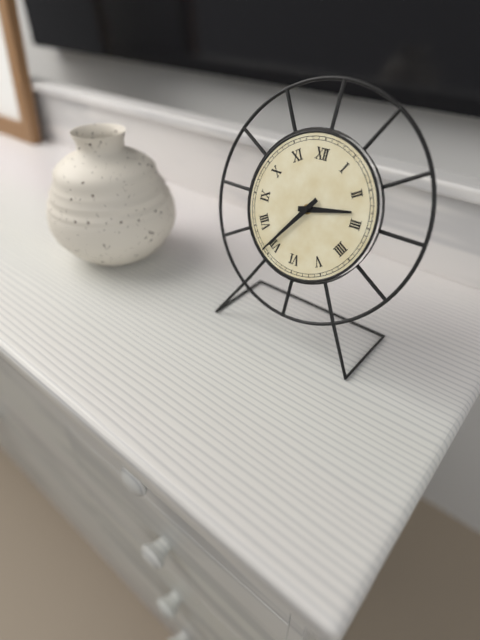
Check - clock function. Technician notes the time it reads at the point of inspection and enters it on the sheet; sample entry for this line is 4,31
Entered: 2,36
